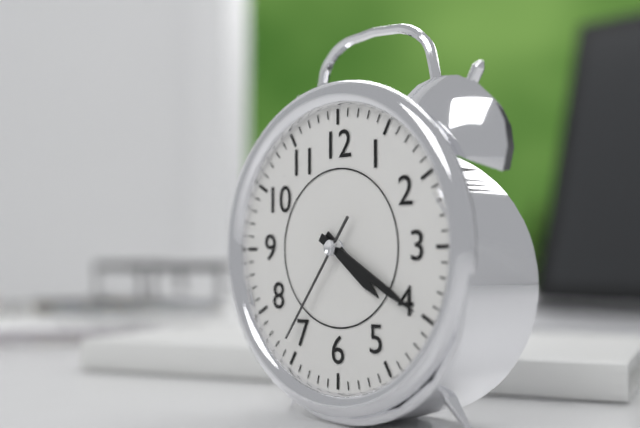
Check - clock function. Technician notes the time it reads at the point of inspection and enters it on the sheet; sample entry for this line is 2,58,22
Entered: 4,20,36
